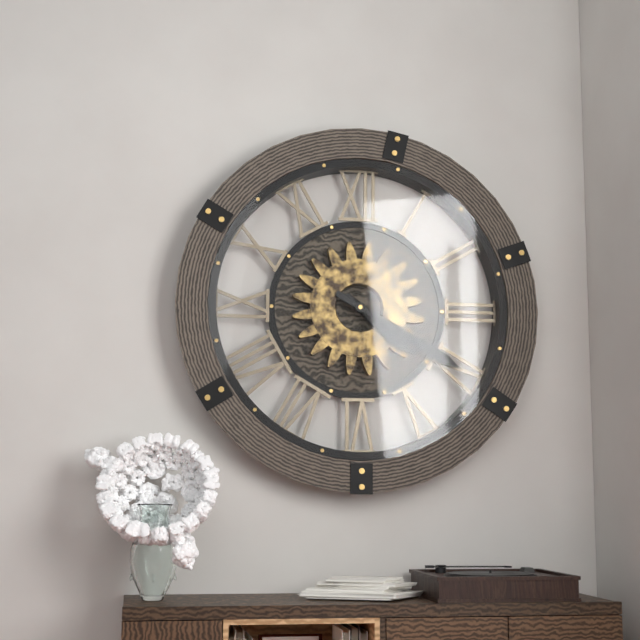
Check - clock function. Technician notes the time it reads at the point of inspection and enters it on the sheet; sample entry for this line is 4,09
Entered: 4,20
